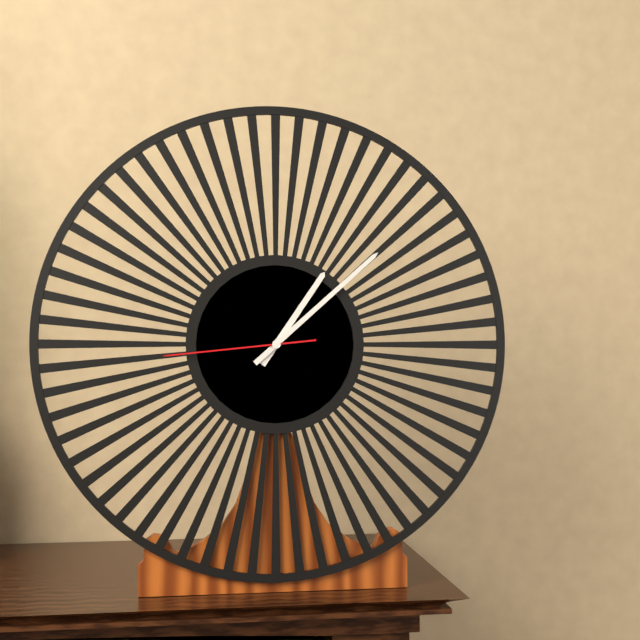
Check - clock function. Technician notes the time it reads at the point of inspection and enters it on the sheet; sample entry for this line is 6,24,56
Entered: 1,08,44
